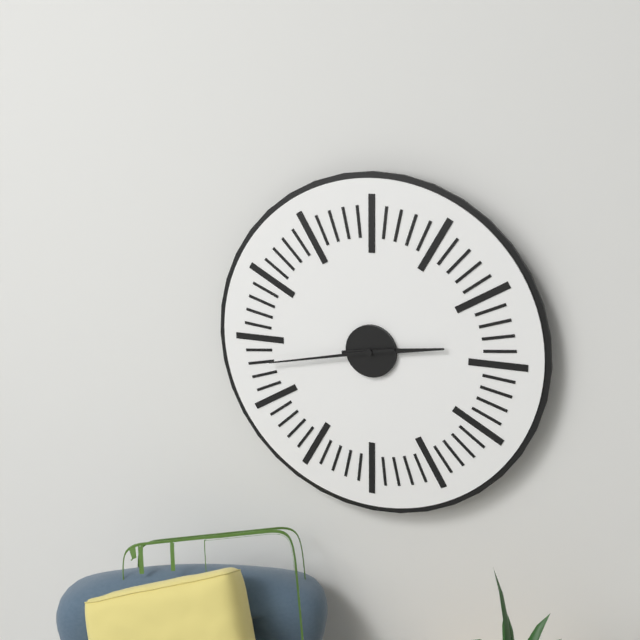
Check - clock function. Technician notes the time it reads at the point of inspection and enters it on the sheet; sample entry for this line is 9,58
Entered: 2,43
